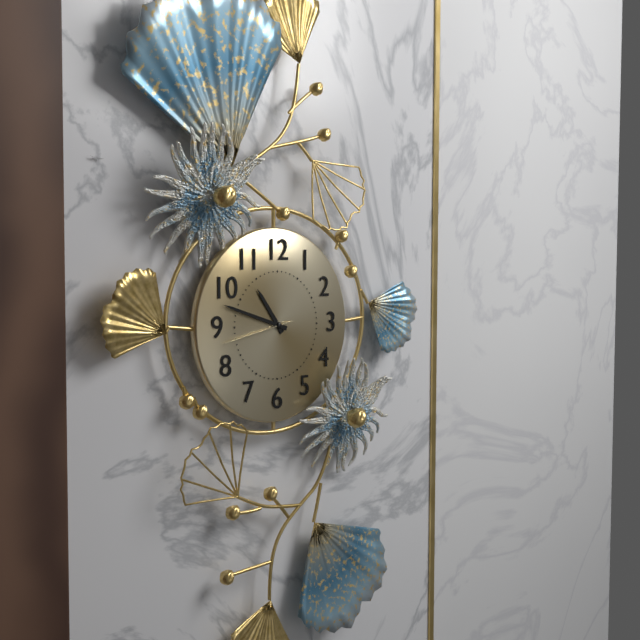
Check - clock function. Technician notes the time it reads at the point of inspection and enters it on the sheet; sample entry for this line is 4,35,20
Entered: 10,48,43
